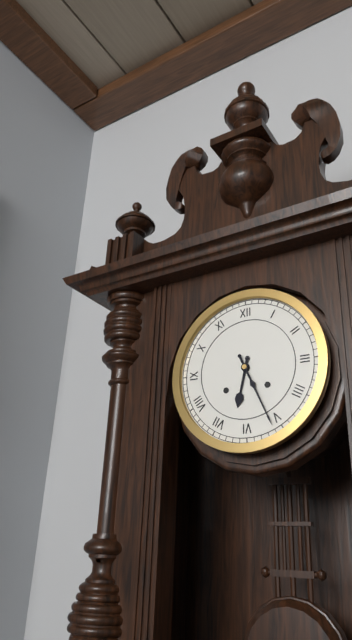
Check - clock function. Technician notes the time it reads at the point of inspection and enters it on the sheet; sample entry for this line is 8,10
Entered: 6,26
